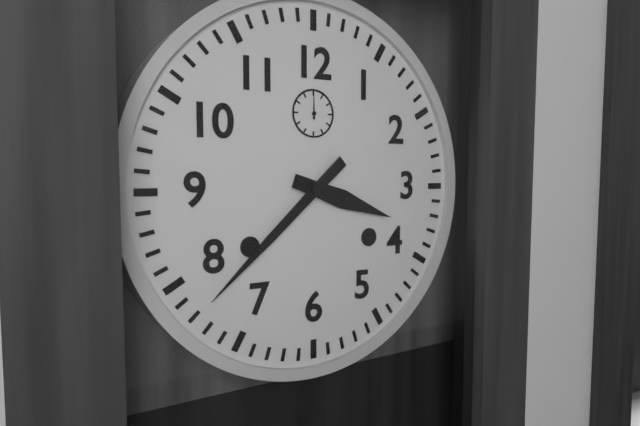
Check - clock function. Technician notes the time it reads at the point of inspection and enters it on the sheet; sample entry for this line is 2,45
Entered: 3,38
